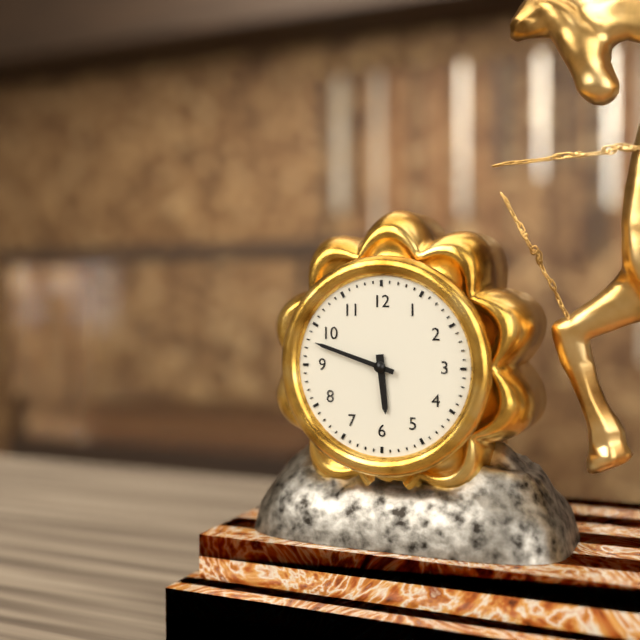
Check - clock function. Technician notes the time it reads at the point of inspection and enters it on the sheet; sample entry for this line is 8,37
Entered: 5,48
